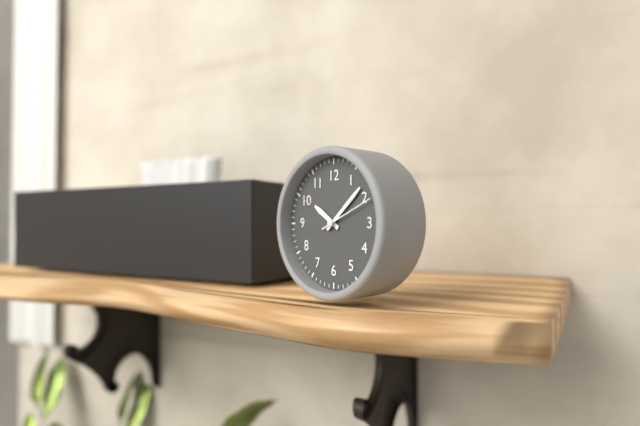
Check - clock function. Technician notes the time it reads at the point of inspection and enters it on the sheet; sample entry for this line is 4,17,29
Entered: 10,08,11
